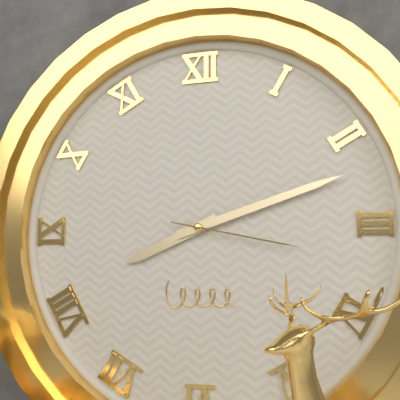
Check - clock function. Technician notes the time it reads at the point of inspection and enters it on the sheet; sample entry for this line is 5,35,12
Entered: 8,12,17
